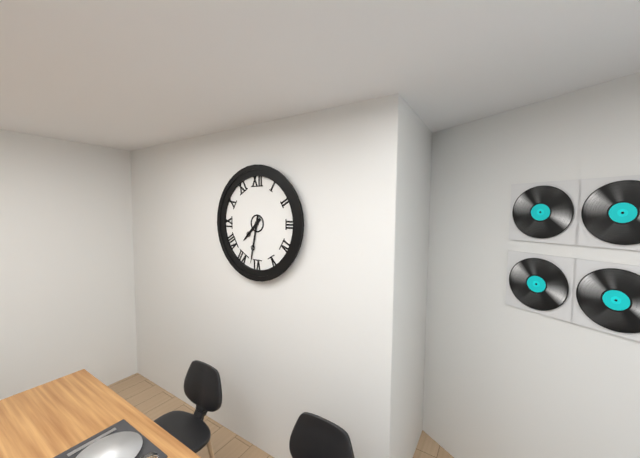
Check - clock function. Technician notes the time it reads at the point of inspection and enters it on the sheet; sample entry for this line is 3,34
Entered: 7,32
